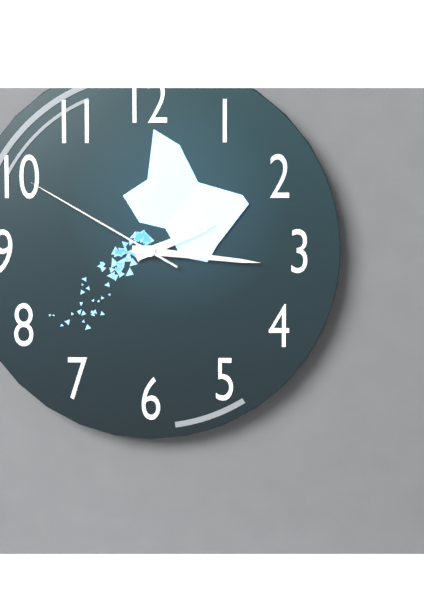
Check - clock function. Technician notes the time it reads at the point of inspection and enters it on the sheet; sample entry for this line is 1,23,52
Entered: 2,16,50
